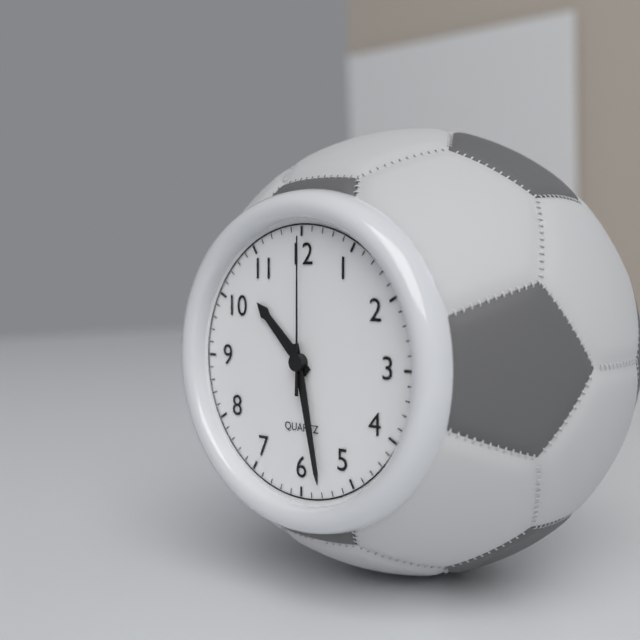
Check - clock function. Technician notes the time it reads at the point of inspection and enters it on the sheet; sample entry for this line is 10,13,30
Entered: 10,28,00
